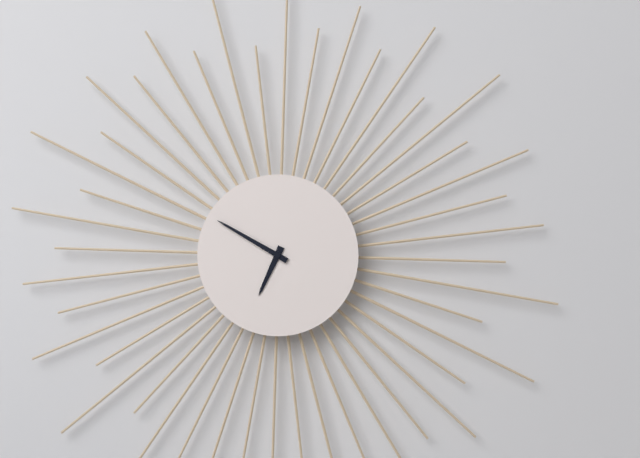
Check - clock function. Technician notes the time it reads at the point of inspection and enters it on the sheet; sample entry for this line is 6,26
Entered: 6,50
